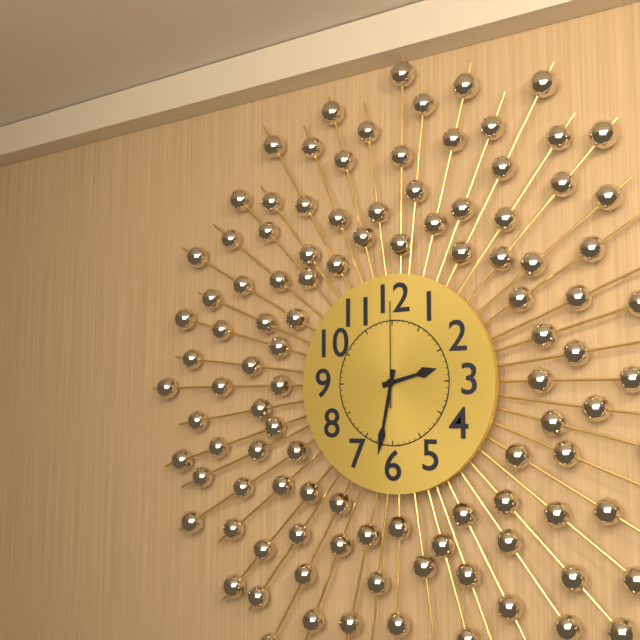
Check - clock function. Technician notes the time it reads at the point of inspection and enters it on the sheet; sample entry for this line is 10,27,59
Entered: 2,32,00
